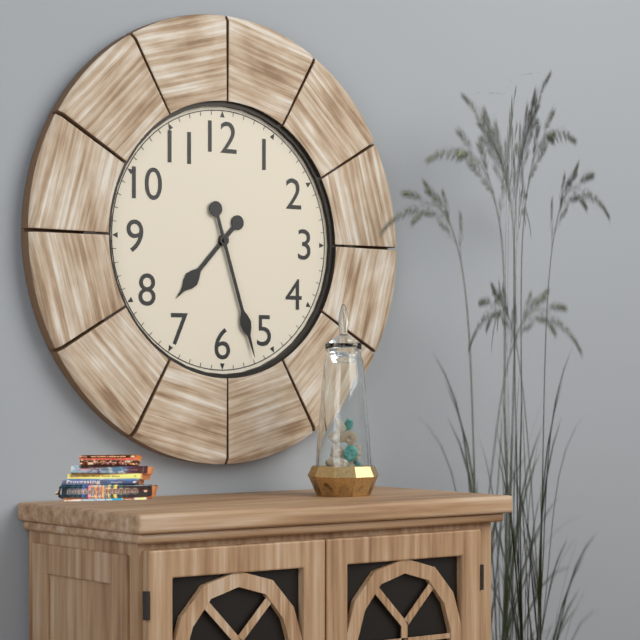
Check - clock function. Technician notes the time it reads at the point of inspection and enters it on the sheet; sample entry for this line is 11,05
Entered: 7,27
